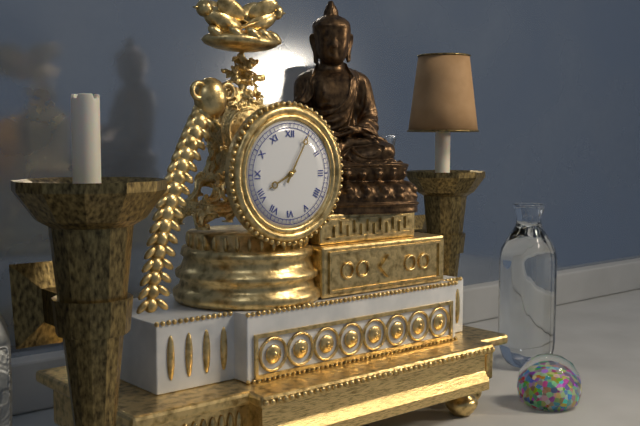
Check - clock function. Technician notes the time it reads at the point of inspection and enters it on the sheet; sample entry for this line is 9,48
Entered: 8,05
